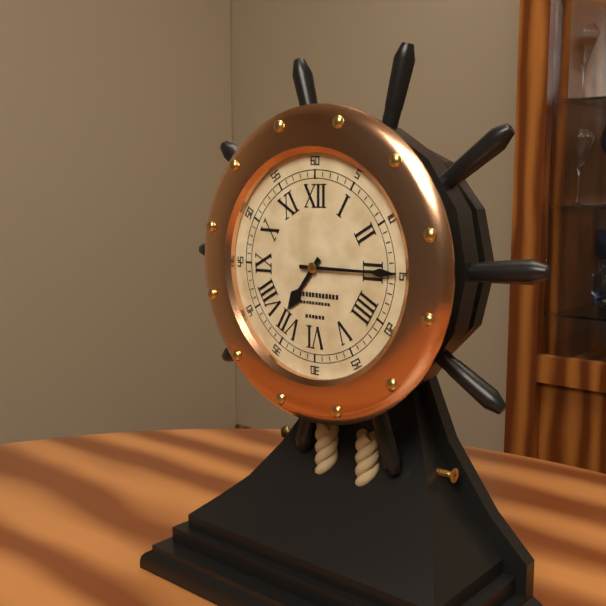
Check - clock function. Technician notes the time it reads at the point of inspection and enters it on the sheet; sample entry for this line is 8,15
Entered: 7,15
